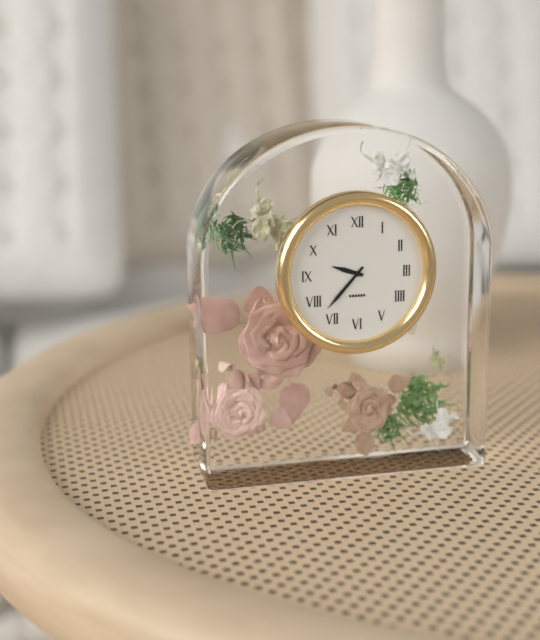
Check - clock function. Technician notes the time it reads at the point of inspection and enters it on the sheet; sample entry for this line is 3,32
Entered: 9,37
